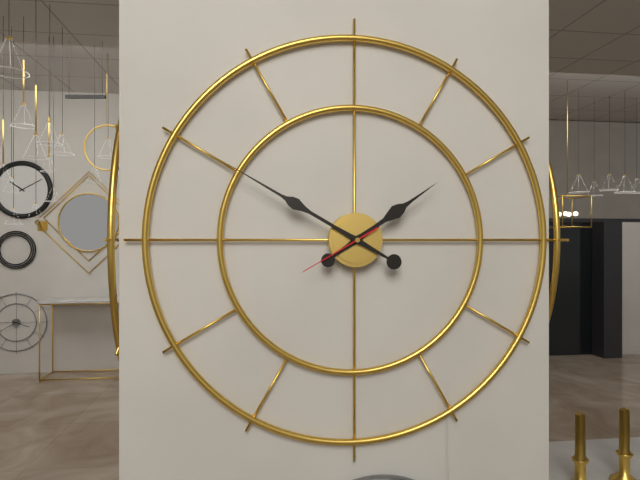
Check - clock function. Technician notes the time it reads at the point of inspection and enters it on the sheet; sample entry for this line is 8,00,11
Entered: 1,50,40
